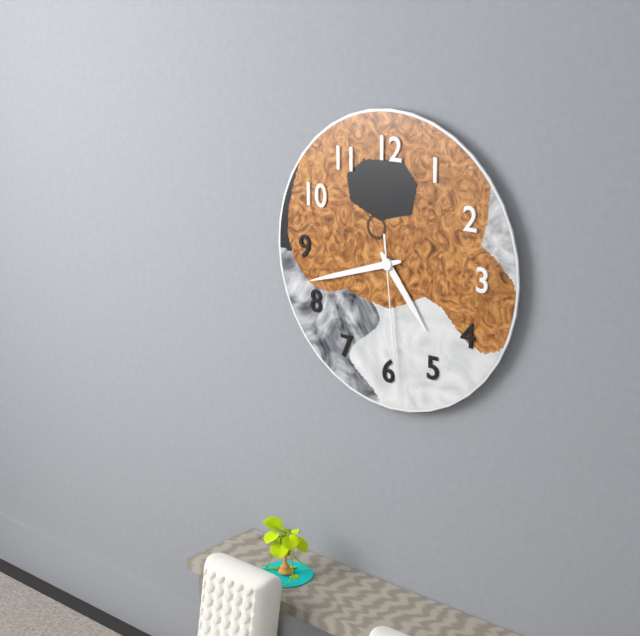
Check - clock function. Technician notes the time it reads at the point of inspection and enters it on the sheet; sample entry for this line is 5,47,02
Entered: 4,42,29
